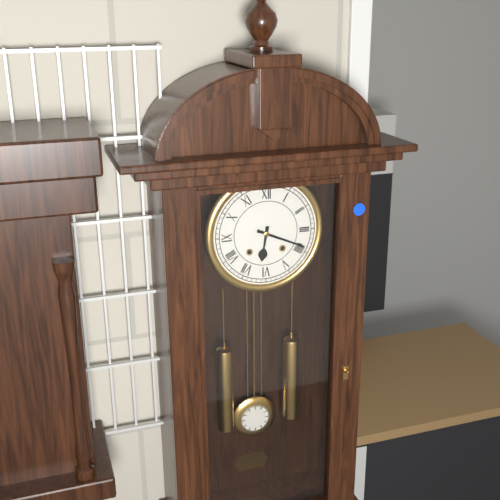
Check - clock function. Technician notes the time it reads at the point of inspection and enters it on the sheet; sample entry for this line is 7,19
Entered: 6,19
